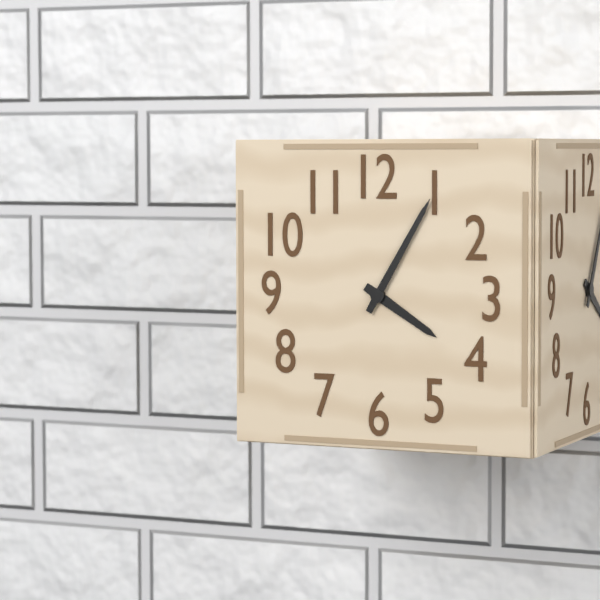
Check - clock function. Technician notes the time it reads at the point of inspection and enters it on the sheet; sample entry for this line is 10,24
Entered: 4,05
